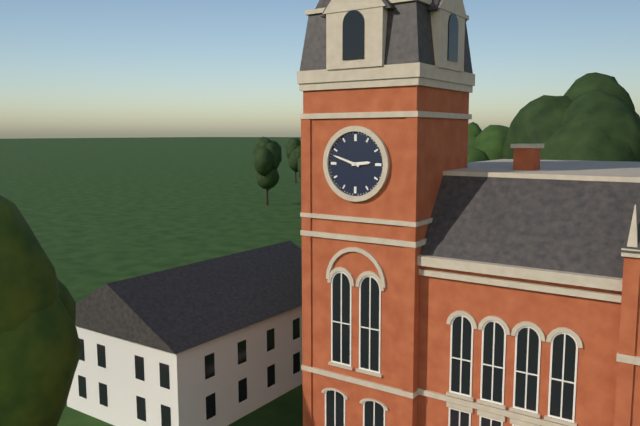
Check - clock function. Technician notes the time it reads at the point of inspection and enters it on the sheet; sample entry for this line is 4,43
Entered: 2,48
